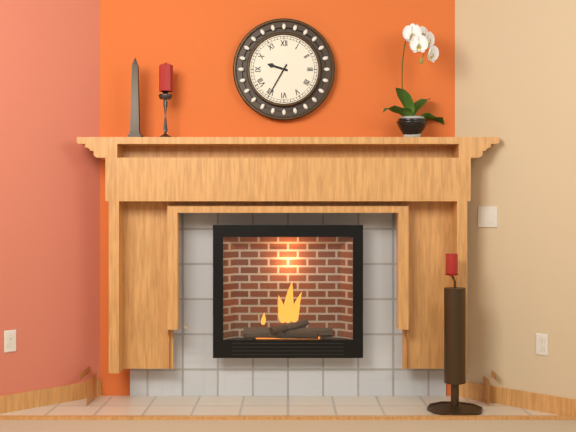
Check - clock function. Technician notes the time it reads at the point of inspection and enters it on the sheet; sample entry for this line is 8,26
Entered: 9,35
